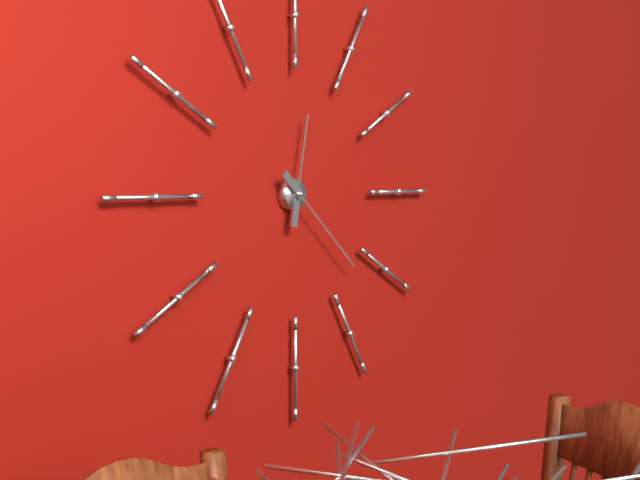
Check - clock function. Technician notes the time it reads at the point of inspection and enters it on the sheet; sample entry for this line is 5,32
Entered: 12,22
